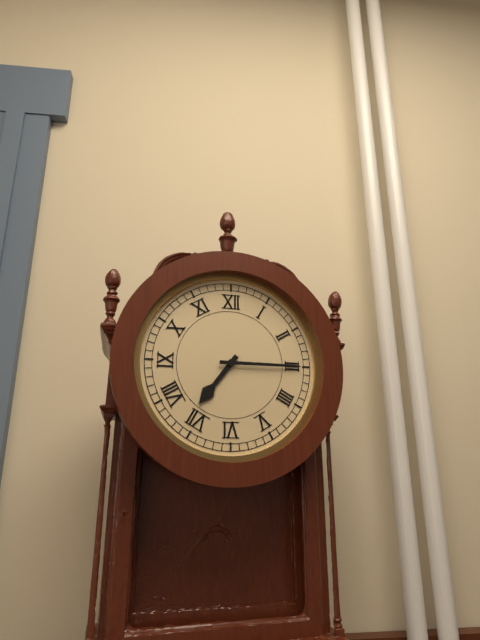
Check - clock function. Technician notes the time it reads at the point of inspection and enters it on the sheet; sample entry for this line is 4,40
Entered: 7,15
